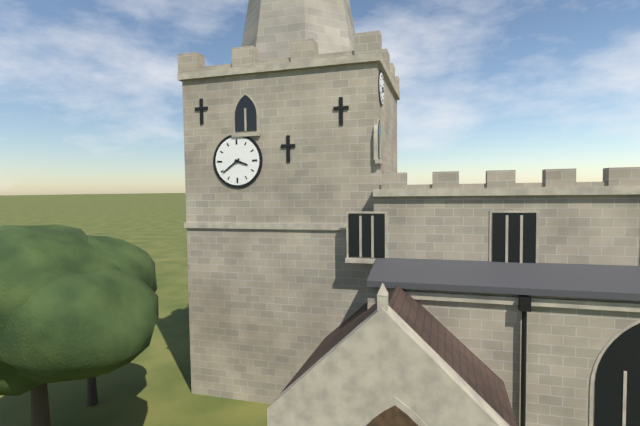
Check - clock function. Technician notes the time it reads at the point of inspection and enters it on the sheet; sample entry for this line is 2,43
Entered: 3,39
